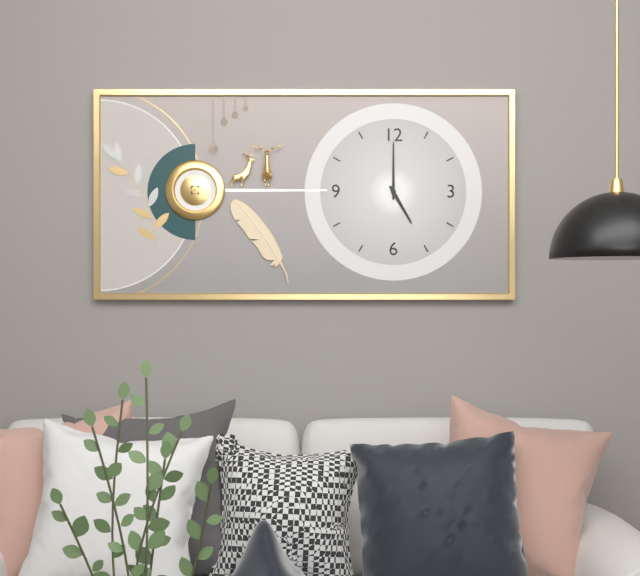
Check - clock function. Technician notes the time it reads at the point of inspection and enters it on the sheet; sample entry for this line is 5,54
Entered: 5,00
